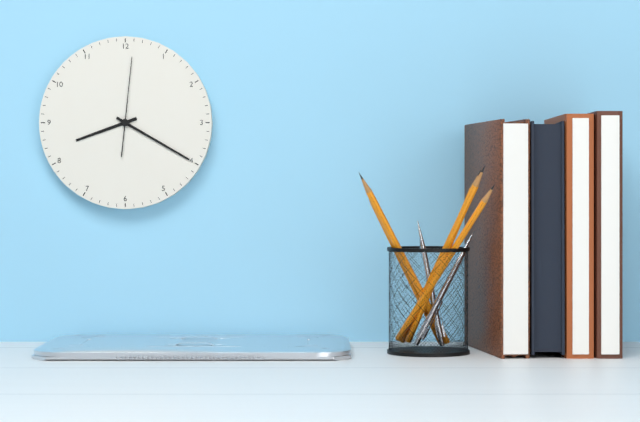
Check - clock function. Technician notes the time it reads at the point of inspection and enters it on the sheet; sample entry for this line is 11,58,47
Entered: 8,20,01
